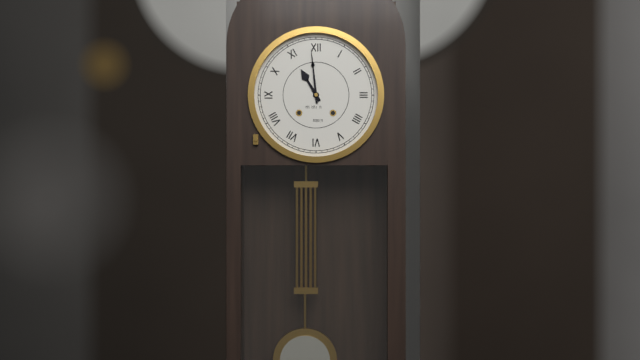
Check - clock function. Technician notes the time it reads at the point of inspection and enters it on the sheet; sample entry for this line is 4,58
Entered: 10,59
